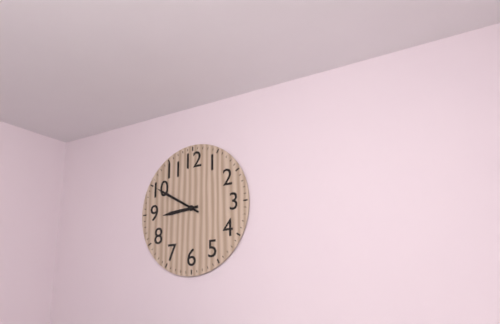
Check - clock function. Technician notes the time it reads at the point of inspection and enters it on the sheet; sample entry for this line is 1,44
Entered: 8,50
